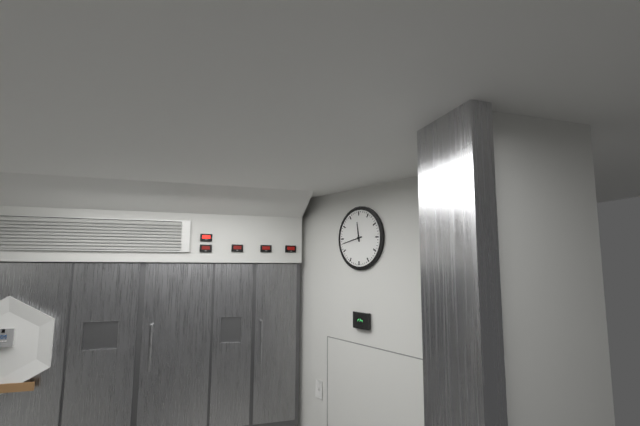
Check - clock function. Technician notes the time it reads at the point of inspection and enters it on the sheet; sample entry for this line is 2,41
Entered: 11,43
